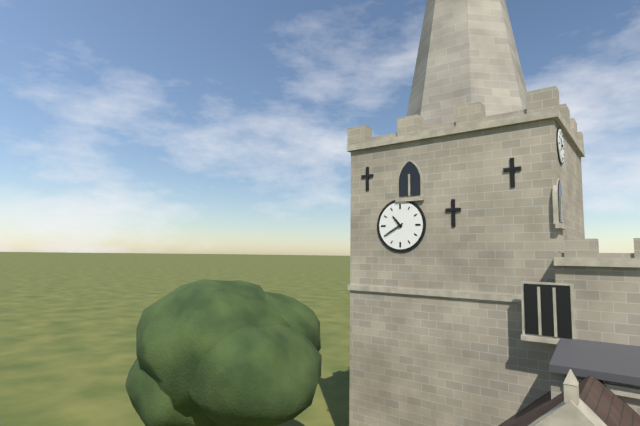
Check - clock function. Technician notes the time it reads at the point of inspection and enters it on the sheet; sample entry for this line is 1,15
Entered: 10,40
